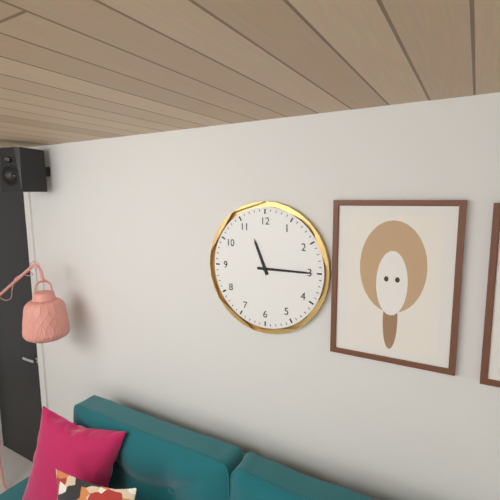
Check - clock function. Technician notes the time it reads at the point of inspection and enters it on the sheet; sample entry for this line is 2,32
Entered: 11,15
